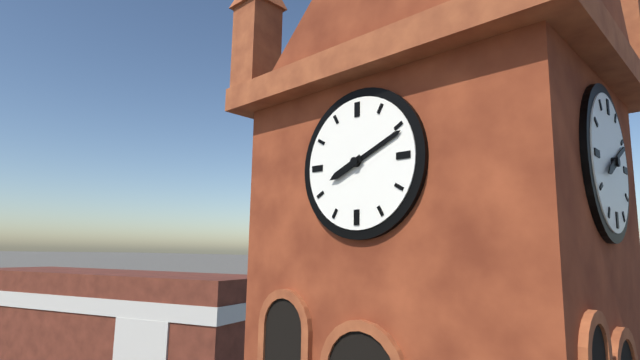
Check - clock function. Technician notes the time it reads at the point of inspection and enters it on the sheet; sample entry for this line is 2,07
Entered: 8,11
